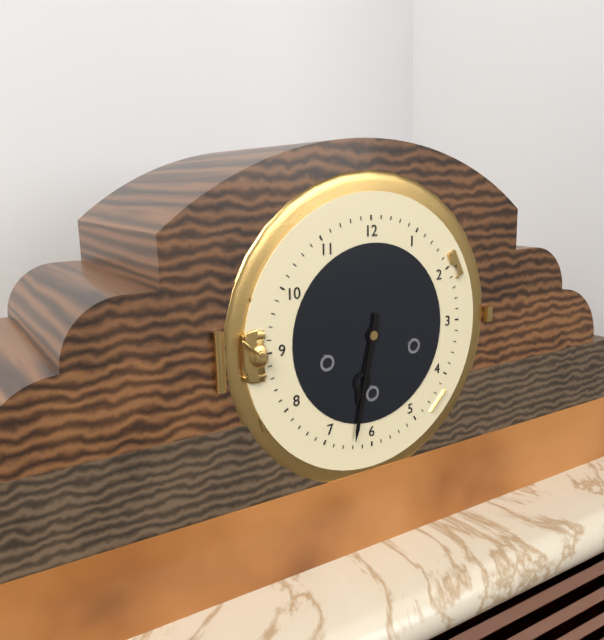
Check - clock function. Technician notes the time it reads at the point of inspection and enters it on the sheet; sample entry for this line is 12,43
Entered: 6,32
